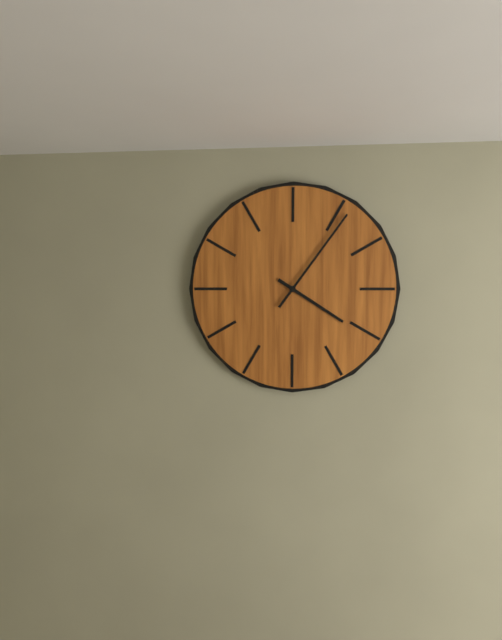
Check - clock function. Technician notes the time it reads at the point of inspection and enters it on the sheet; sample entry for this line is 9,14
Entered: 4,06
